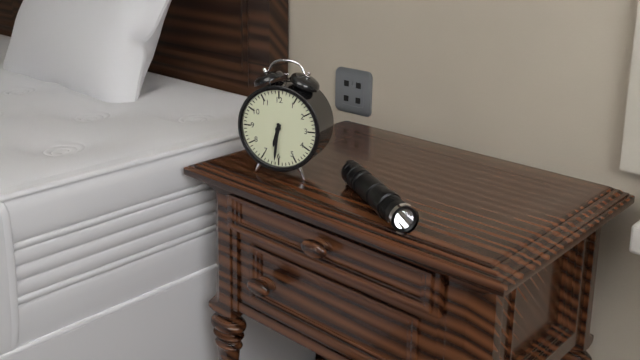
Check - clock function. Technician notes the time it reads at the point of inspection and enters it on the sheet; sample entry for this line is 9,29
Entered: 6,31
